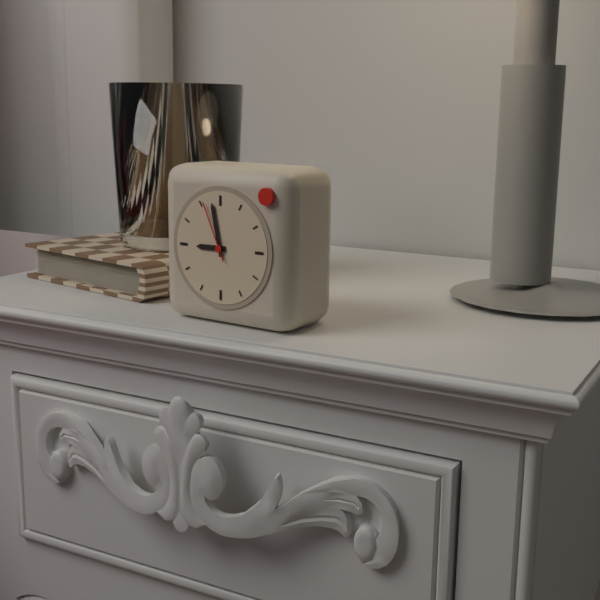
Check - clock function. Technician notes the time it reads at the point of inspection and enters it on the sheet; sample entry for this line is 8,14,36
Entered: 8,58,56
